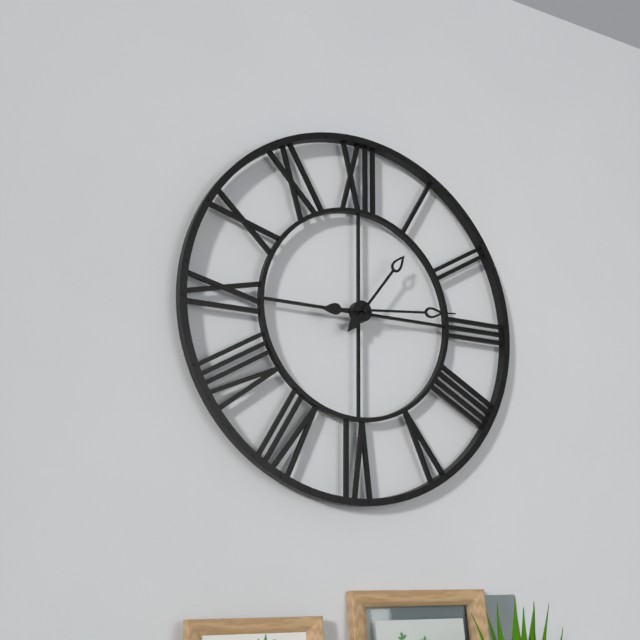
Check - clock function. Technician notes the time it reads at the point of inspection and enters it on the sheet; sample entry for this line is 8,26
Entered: 1,14
